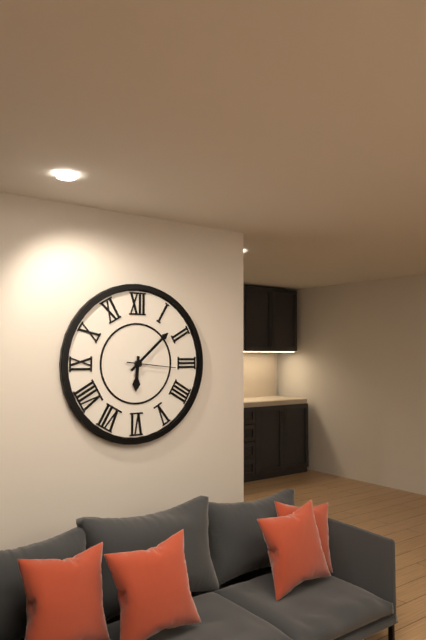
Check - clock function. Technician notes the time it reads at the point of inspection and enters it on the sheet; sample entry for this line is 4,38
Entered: 6,08
